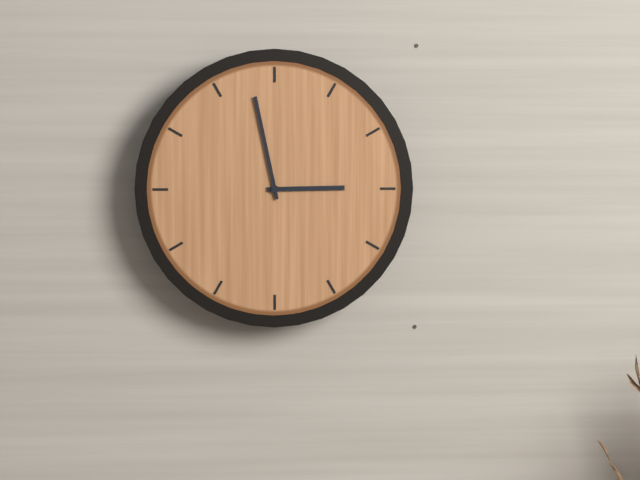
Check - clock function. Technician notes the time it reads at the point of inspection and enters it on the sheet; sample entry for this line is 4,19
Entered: 2,58
